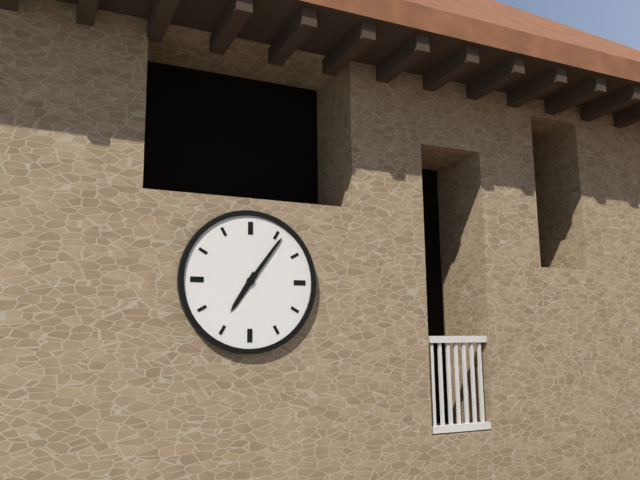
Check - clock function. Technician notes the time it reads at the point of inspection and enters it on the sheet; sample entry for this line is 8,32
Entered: 7,06
